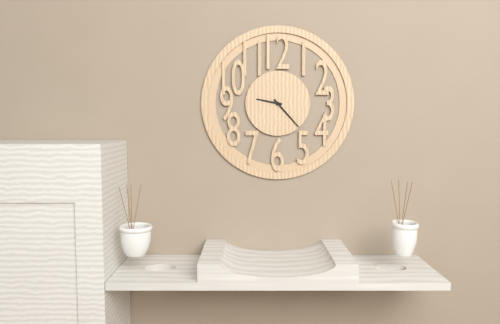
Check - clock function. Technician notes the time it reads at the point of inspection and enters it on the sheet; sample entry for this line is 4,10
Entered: 9,23
